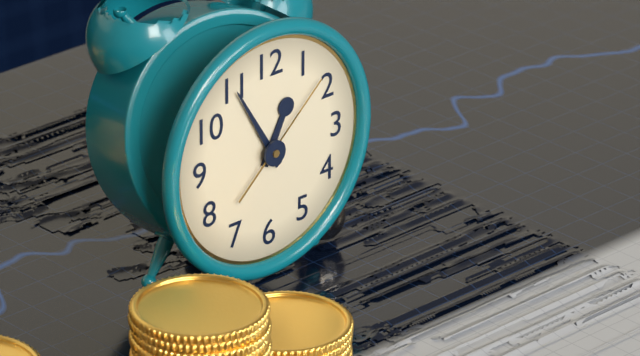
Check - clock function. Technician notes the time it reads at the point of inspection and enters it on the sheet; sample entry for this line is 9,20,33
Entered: 12,55,08
